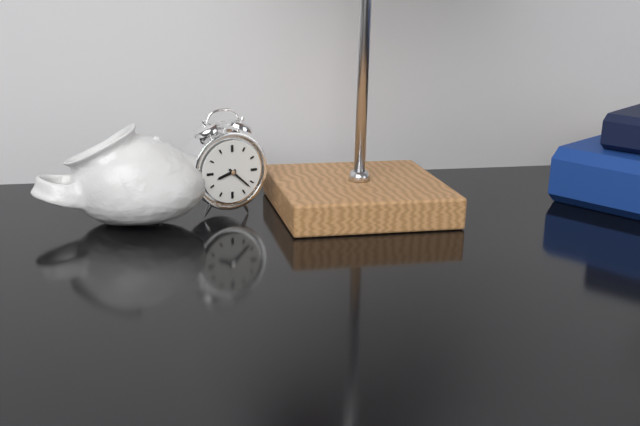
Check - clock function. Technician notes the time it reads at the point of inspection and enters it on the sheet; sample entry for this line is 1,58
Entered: 8,22
